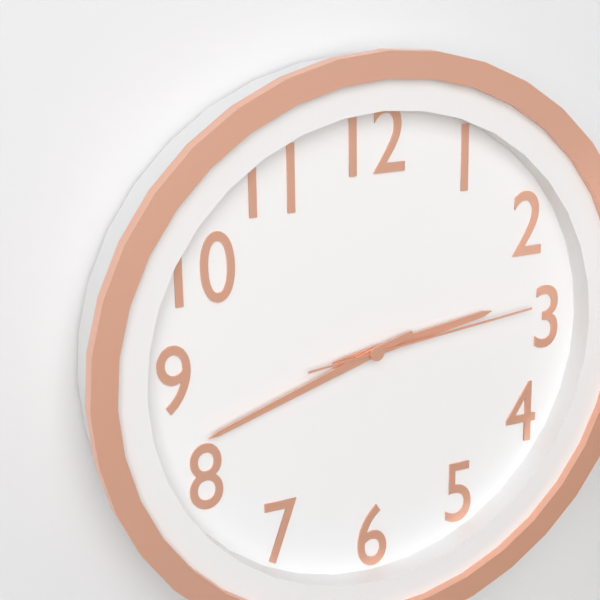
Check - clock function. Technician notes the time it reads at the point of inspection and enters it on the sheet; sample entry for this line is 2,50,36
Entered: 2,42,14
